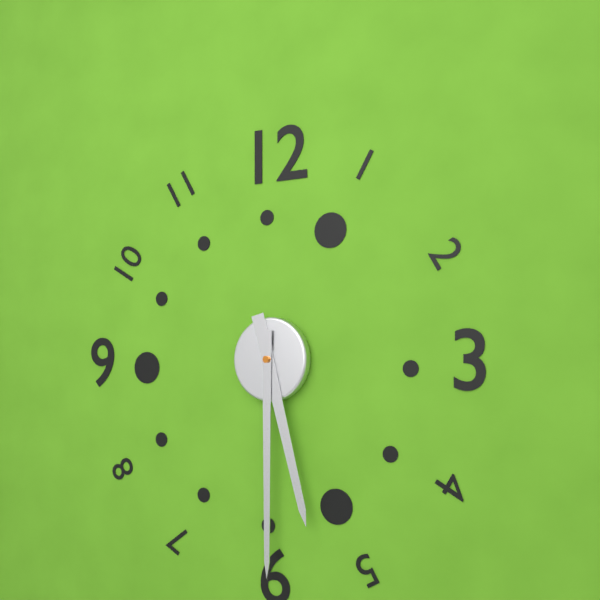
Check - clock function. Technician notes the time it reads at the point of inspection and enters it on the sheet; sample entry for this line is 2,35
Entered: 5,30
